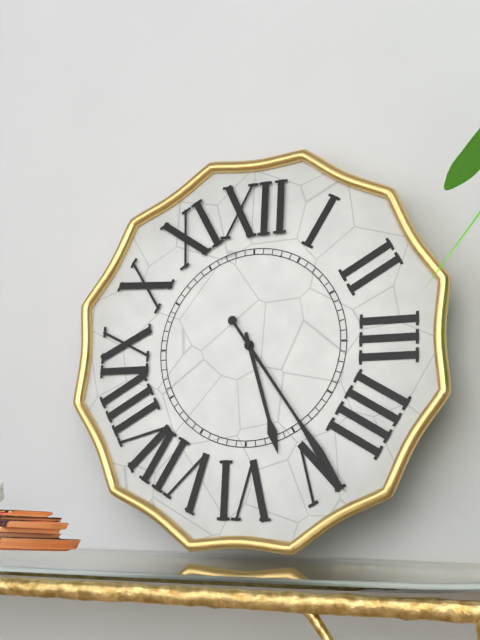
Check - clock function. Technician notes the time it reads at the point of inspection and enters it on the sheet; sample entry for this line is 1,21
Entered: 5,24
